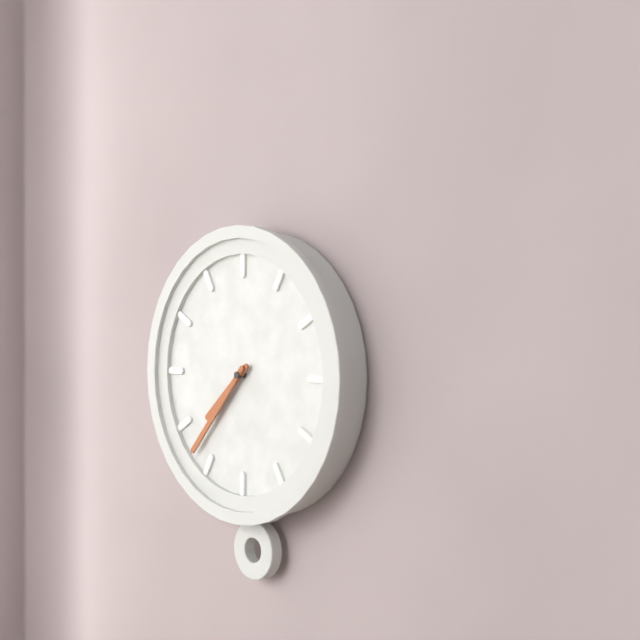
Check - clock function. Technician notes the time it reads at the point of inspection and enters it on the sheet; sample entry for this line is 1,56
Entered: 7,37
